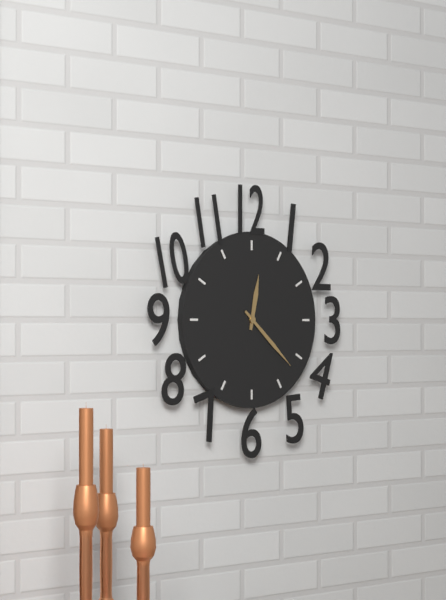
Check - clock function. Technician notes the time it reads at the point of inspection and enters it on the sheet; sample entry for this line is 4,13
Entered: 12,22
